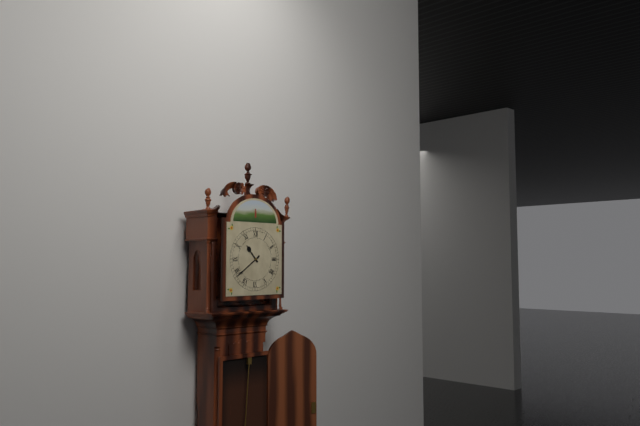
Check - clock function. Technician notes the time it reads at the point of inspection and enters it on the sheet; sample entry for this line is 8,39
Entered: 10,39
